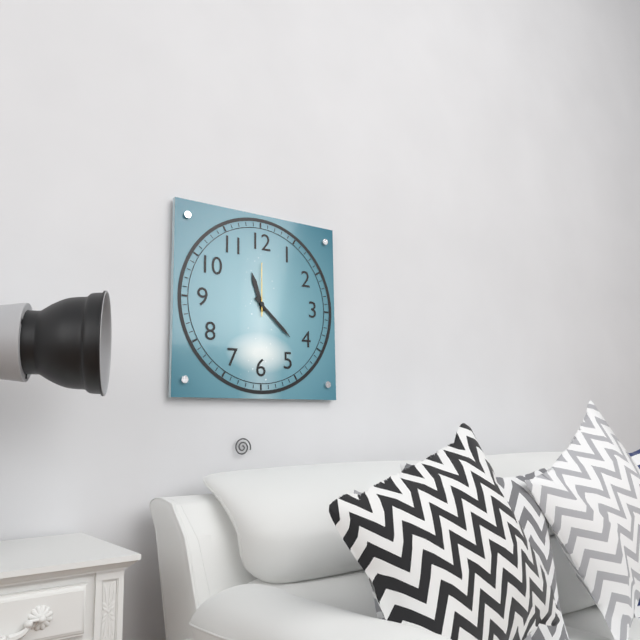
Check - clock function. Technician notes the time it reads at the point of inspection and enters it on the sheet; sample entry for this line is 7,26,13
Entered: 11,22,00
